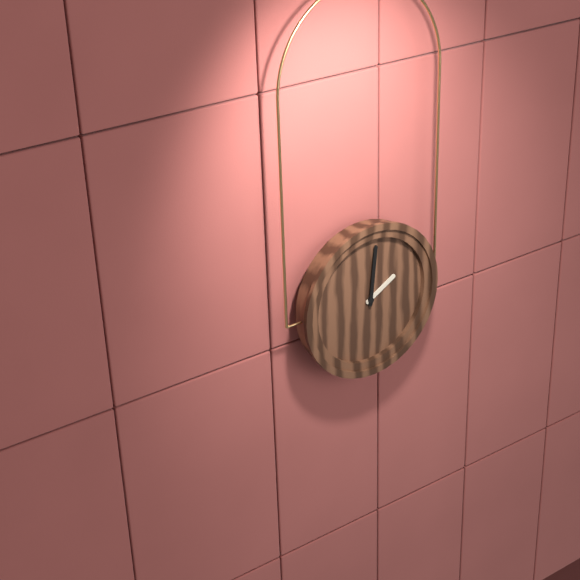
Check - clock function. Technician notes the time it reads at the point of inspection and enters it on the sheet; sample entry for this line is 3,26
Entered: 2,01
